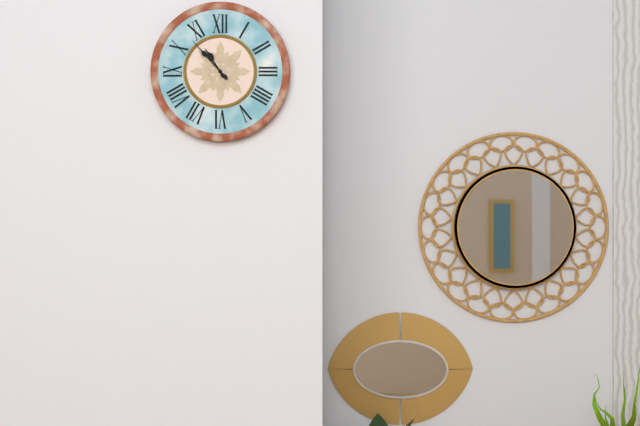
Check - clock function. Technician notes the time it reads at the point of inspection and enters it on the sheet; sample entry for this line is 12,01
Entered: 10,53
